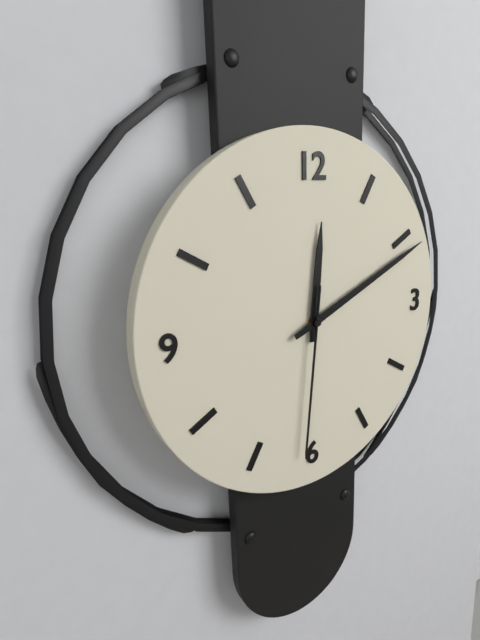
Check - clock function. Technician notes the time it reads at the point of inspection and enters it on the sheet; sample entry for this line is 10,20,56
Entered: 12,11,31
